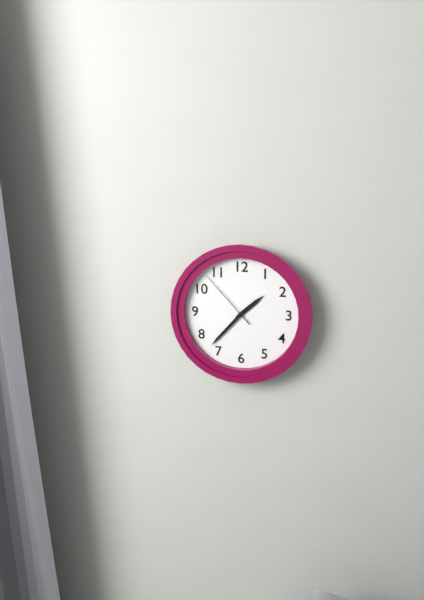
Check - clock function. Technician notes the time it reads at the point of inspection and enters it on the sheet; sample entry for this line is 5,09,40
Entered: 1,37,53
